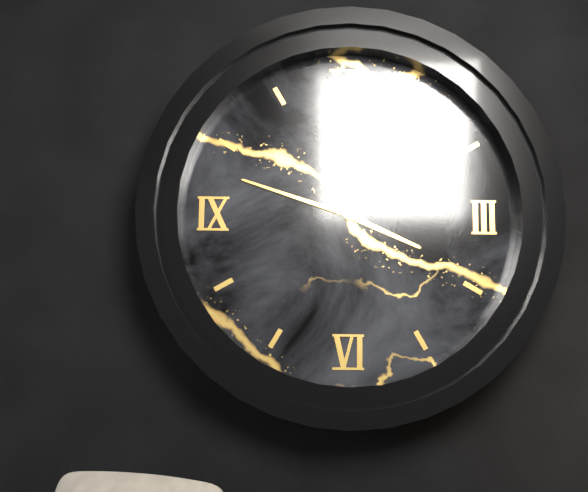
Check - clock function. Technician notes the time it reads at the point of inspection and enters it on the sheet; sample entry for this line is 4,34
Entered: 3,48
